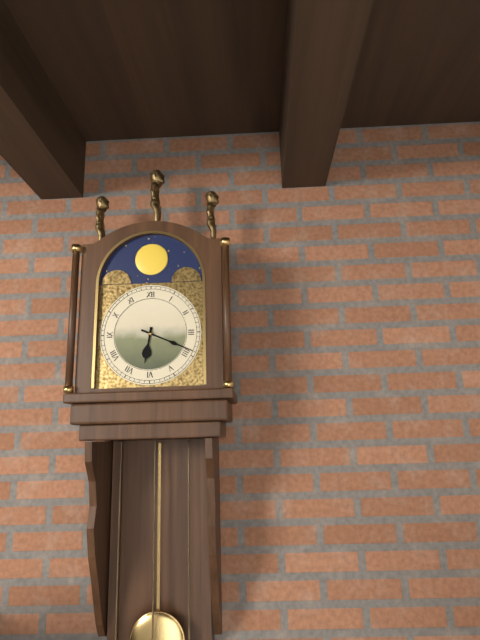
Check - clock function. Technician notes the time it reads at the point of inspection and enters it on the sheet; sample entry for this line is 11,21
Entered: 6,19
